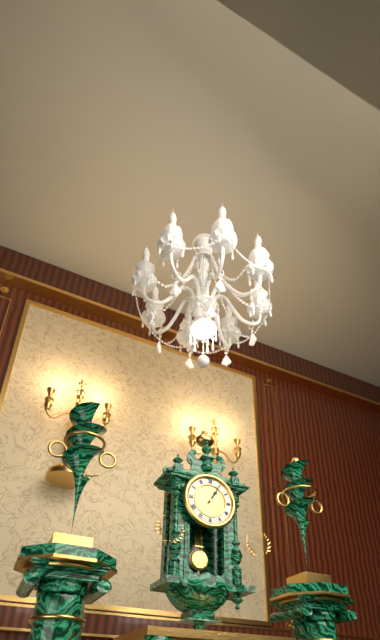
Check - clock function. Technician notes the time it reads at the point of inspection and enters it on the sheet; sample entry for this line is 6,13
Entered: 1,05
